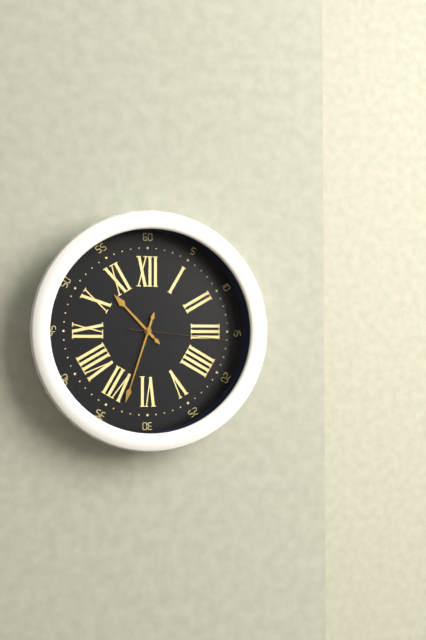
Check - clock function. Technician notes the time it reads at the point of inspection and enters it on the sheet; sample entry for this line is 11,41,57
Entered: 10,33,16
